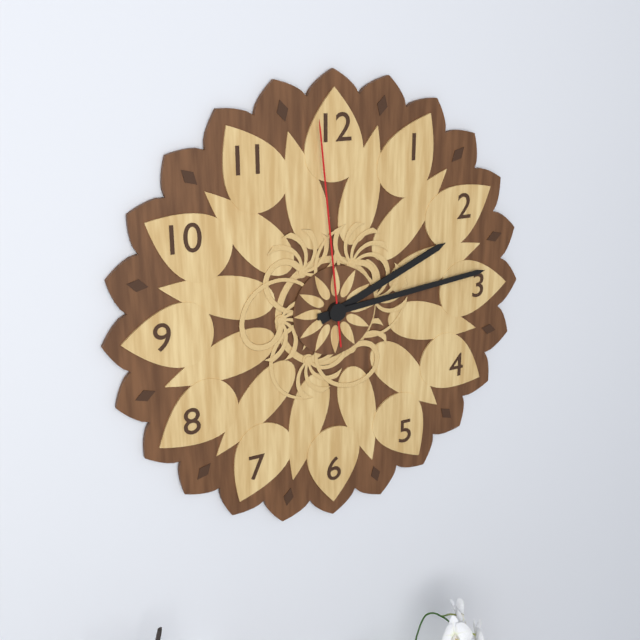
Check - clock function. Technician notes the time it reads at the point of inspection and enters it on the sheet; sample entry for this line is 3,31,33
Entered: 2,14,59
